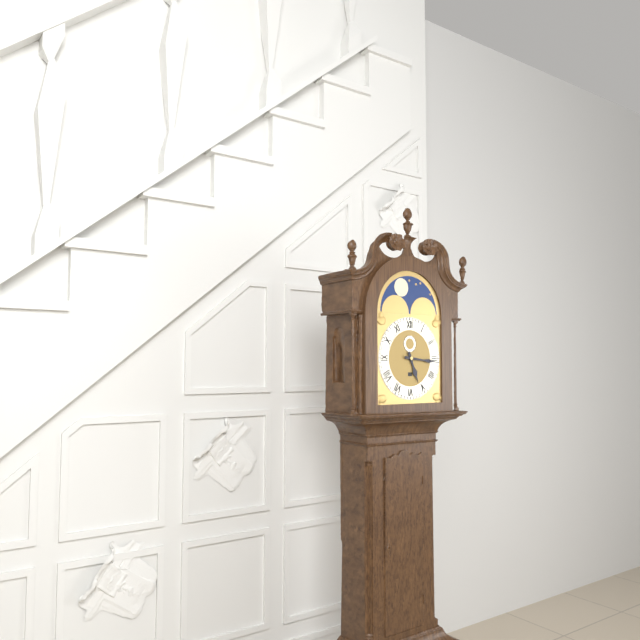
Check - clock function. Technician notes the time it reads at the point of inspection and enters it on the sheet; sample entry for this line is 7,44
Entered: 5,16
